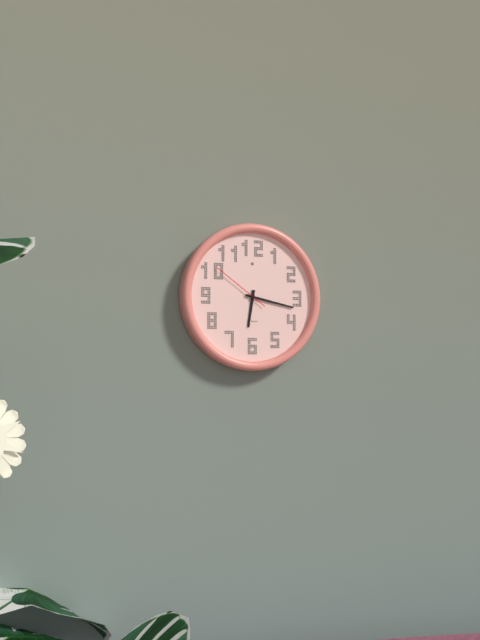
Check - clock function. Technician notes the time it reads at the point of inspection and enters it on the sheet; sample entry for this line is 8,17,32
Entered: 6,17,51
